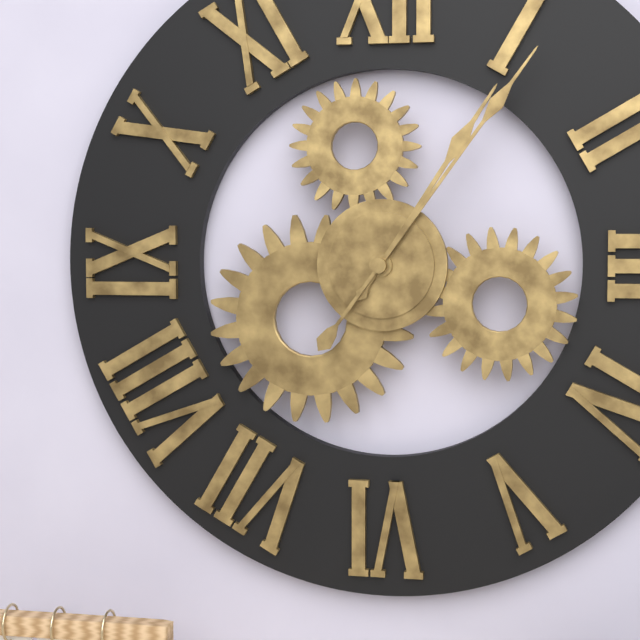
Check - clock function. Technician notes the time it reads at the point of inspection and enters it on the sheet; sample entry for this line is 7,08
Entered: 1,06
